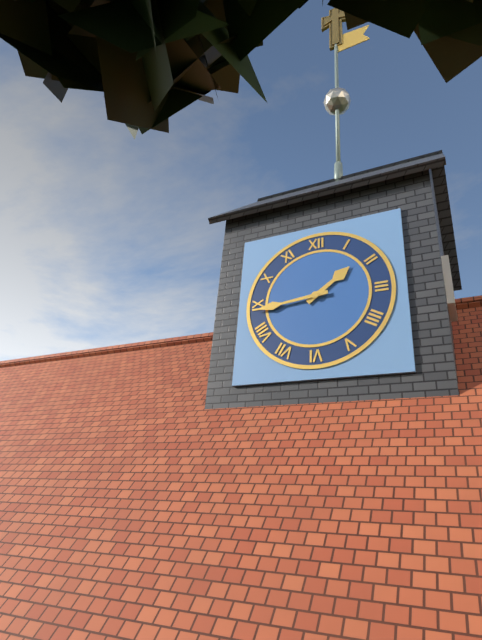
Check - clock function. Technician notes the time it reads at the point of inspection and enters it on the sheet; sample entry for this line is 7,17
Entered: 1,44
